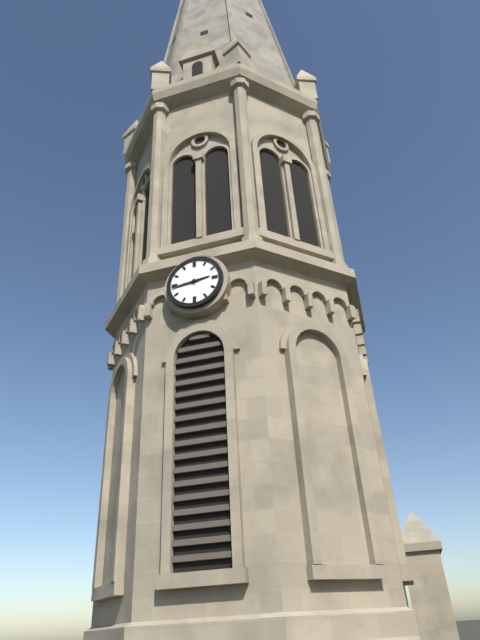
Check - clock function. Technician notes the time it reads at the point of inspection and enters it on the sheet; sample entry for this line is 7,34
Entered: 2,44
